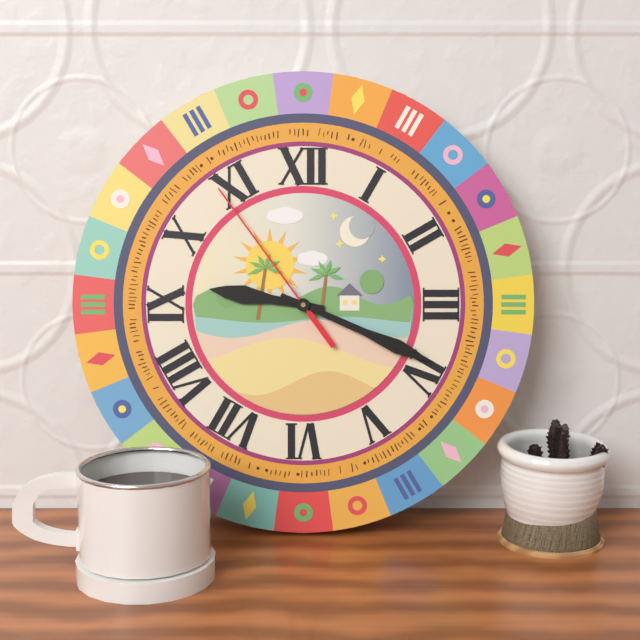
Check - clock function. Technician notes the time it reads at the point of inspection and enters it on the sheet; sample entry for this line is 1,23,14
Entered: 9,19,54
